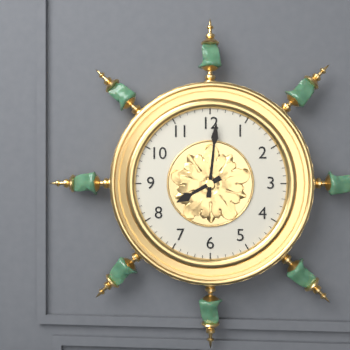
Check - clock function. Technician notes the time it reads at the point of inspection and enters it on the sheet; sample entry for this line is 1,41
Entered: 8,01
